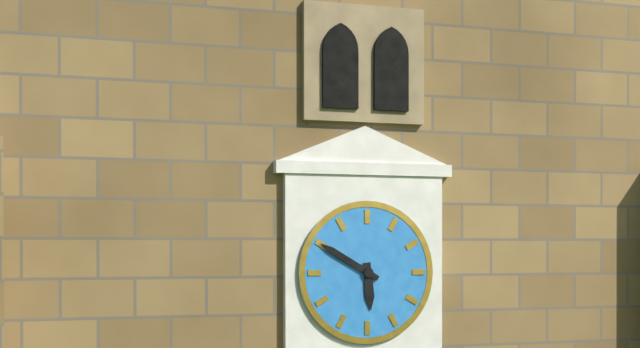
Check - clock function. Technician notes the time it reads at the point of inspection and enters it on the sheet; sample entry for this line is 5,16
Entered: 5,50
